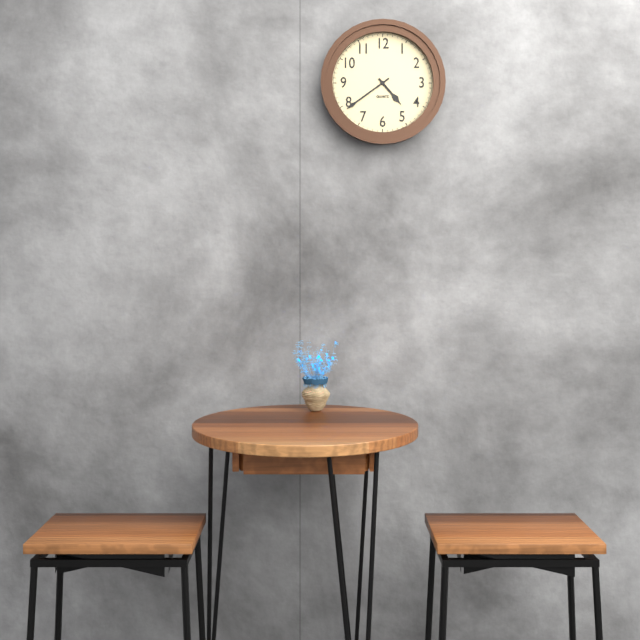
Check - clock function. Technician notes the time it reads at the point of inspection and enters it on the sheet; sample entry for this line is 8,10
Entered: 4,39
